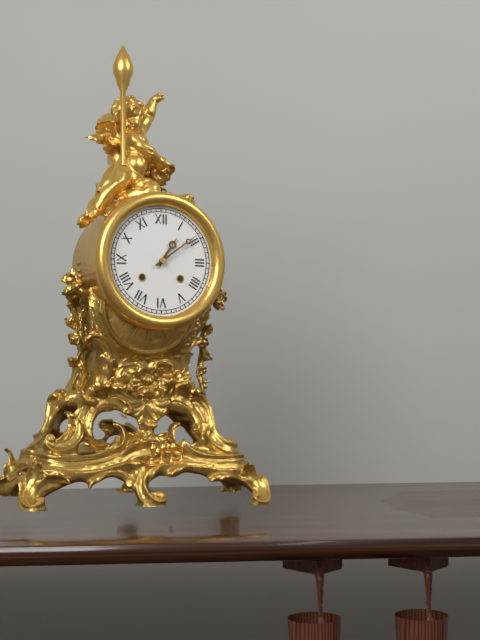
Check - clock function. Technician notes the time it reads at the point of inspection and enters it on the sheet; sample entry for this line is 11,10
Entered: 1,09
